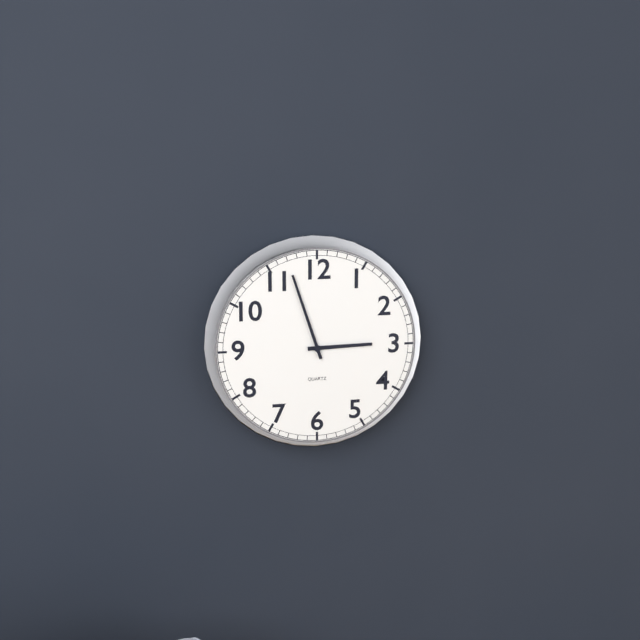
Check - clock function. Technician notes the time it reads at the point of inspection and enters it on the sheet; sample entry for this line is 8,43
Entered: 2,57
